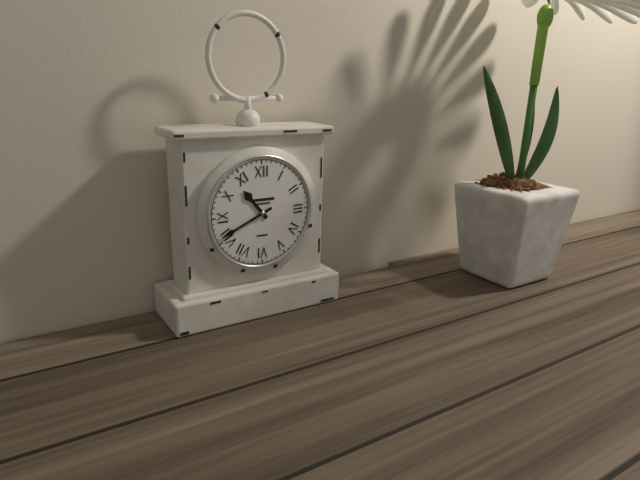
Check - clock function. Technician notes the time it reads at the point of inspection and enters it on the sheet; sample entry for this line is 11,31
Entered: 10,41
